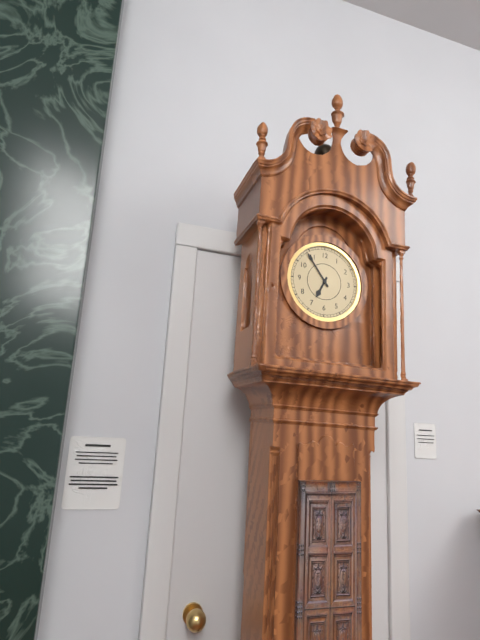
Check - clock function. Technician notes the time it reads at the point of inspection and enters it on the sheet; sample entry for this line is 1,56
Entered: 6,54
